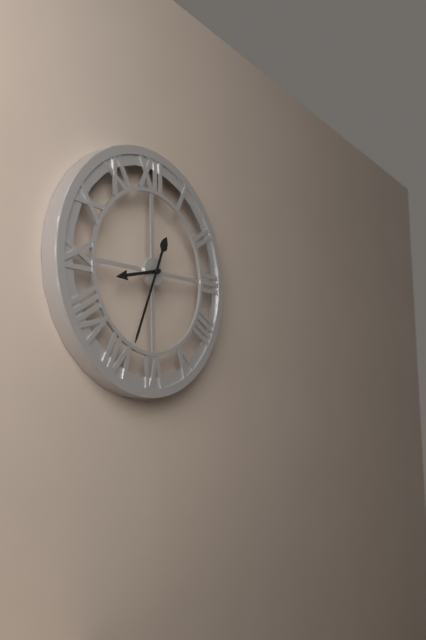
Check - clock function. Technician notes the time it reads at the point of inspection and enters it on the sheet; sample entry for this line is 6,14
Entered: 8,34
